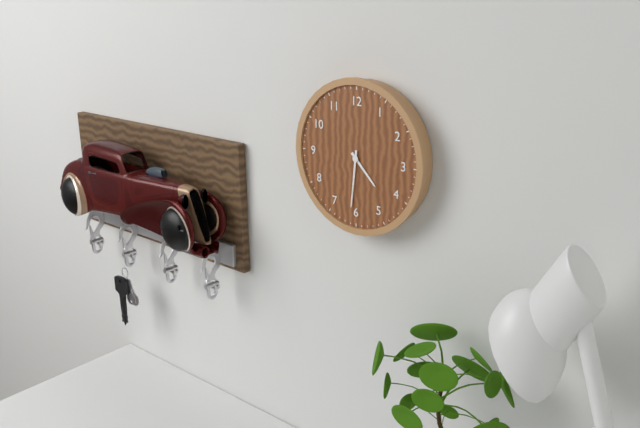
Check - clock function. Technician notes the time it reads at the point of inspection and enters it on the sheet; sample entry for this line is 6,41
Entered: 4,31
